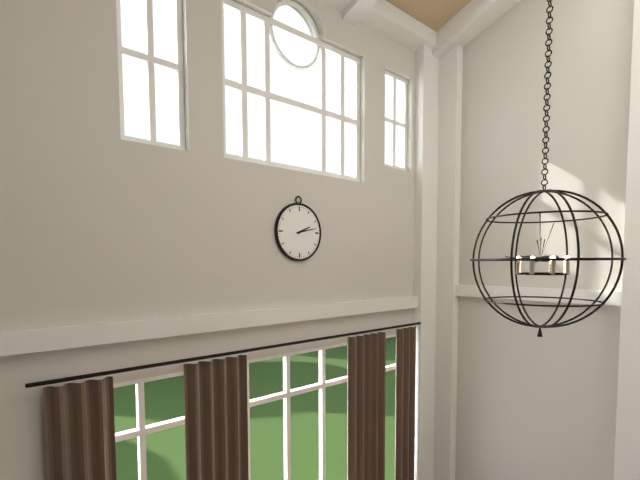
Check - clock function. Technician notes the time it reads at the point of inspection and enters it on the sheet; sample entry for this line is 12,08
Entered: 2,13
